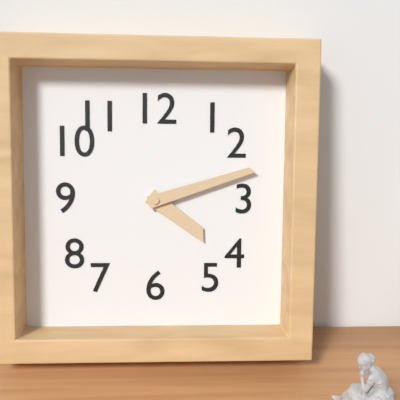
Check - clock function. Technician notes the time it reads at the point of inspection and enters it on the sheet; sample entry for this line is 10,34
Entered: 4,12
